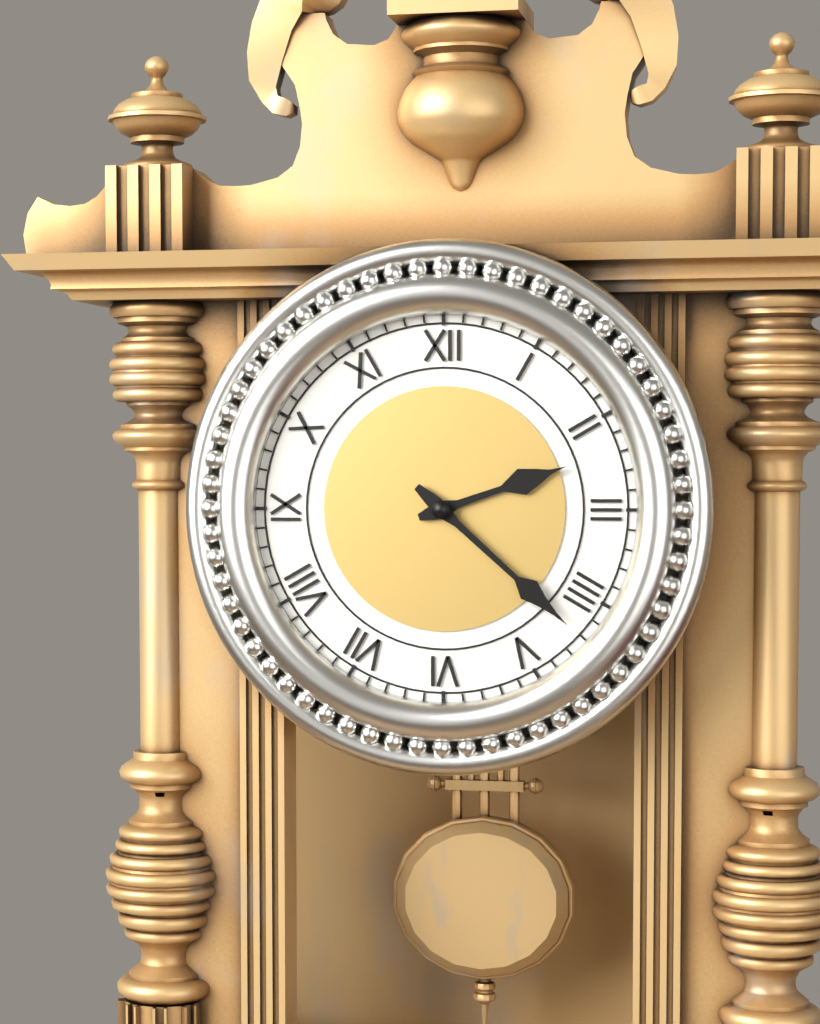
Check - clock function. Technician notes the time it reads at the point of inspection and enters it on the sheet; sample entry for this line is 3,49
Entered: 2,22
